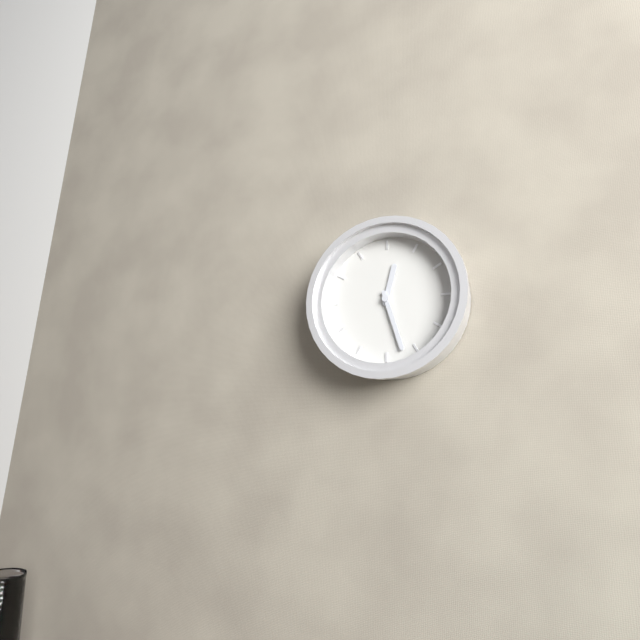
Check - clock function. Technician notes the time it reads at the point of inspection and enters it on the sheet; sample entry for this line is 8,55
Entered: 12,27
